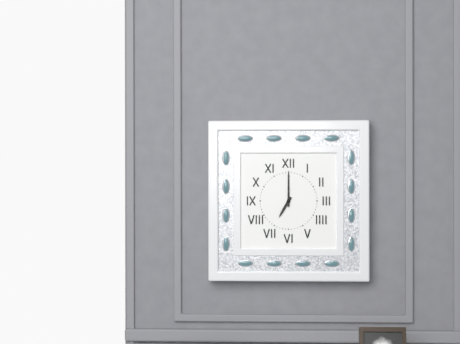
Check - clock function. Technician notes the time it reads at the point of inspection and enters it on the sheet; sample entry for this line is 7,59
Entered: 7,00
